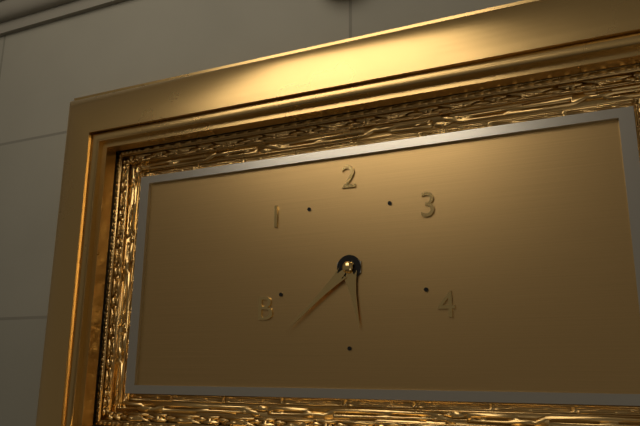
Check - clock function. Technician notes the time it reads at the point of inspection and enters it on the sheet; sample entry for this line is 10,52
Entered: 5,38
